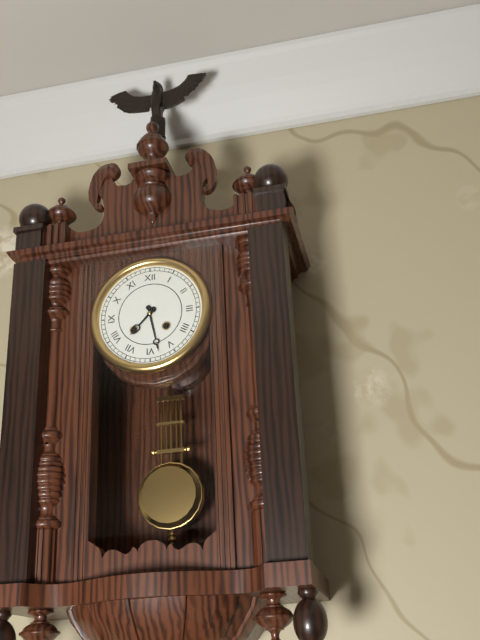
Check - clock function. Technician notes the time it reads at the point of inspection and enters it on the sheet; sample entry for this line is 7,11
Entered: 7,28
